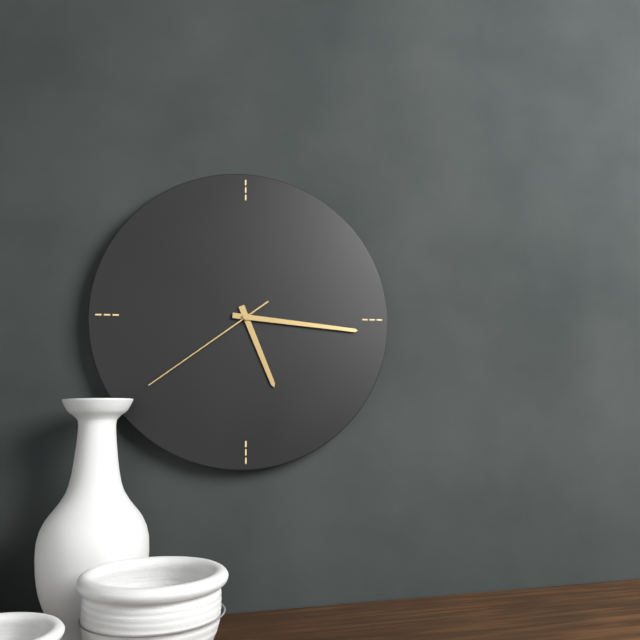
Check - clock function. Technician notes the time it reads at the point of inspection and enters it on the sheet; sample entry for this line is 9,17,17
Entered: 5,16,39
